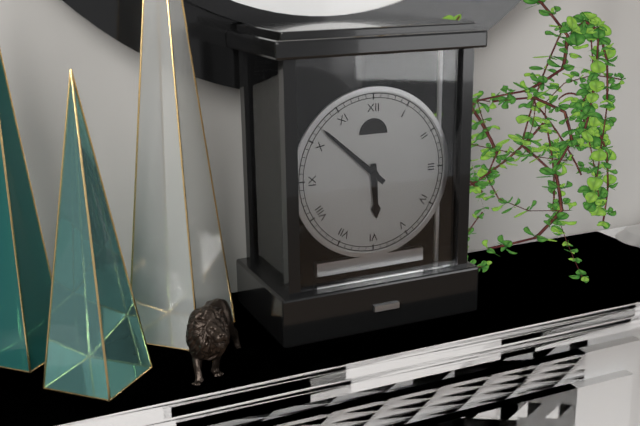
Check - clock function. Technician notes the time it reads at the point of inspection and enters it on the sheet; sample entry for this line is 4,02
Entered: 5,52
